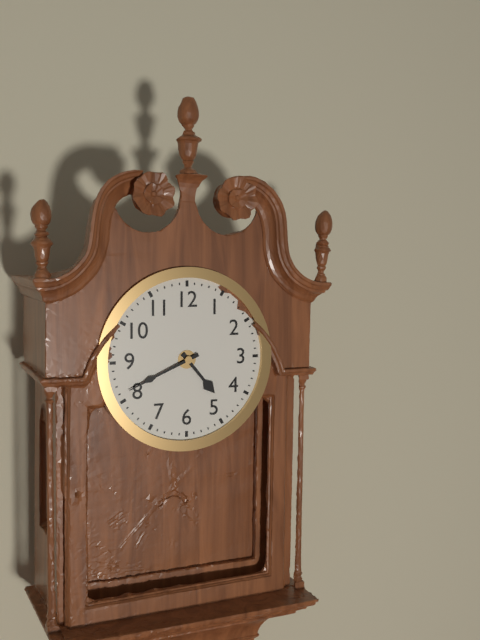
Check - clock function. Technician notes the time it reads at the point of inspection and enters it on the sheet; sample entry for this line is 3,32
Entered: 4,41
